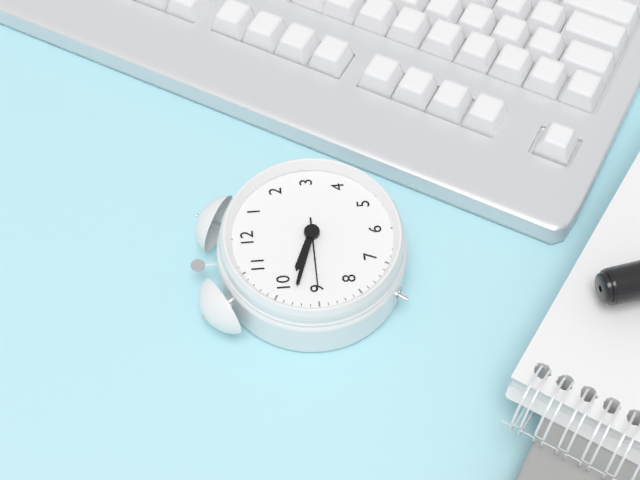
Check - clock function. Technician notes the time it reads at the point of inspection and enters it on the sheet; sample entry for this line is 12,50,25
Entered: 9,48,45
